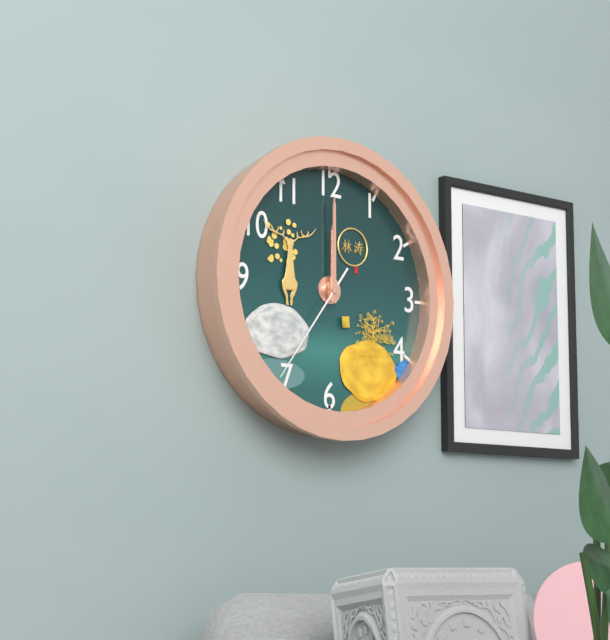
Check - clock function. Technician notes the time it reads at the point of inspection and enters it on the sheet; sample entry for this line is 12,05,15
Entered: 12,00,36
